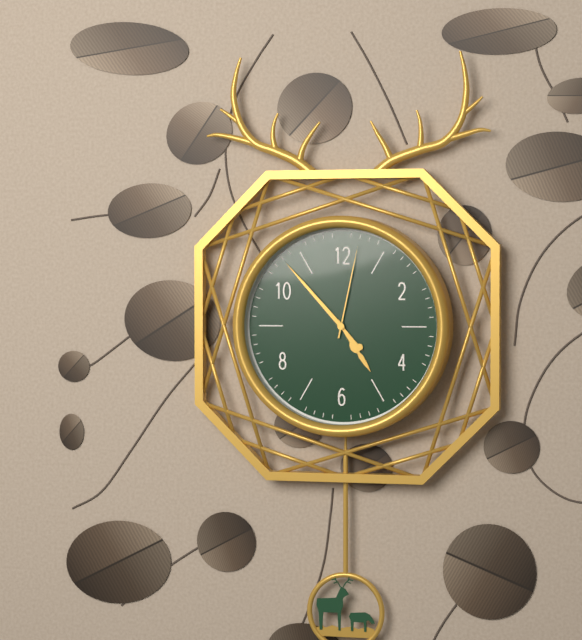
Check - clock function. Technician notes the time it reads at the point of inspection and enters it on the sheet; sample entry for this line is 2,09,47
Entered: 4,53,02
